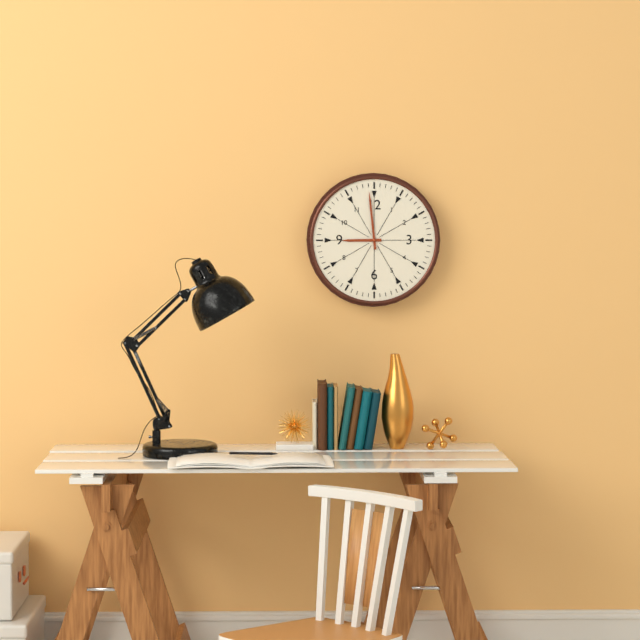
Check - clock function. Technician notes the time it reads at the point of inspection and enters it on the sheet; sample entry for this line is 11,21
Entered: 8,59
